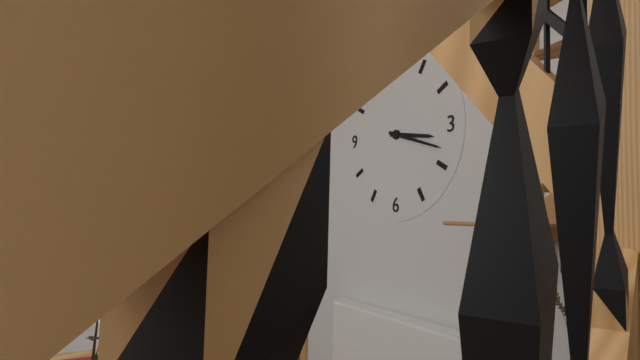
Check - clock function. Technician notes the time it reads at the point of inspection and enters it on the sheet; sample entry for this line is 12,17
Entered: 3,18
